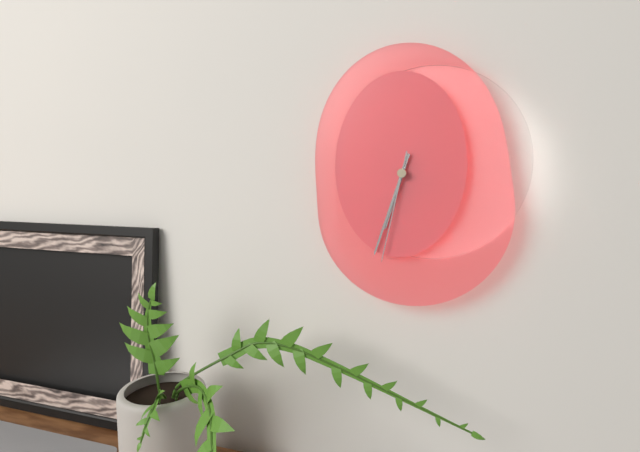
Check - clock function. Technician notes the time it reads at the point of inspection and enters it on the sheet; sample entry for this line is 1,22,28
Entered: 6,33,32
